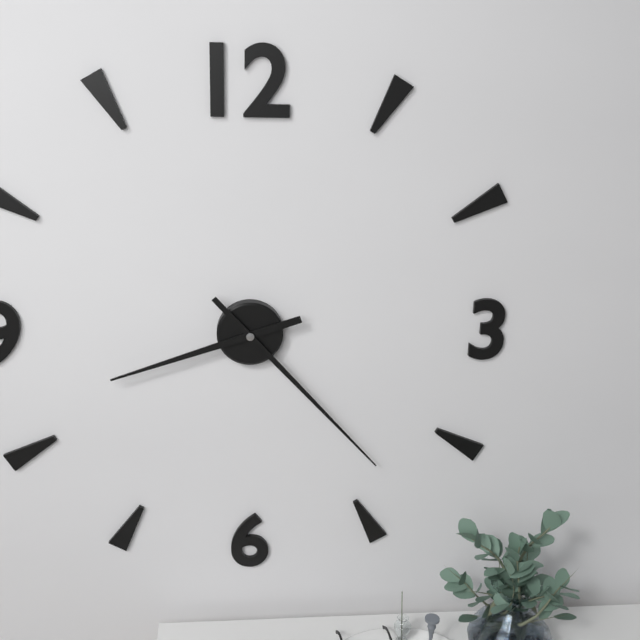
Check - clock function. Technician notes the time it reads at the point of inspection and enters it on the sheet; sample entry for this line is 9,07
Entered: 8,23
